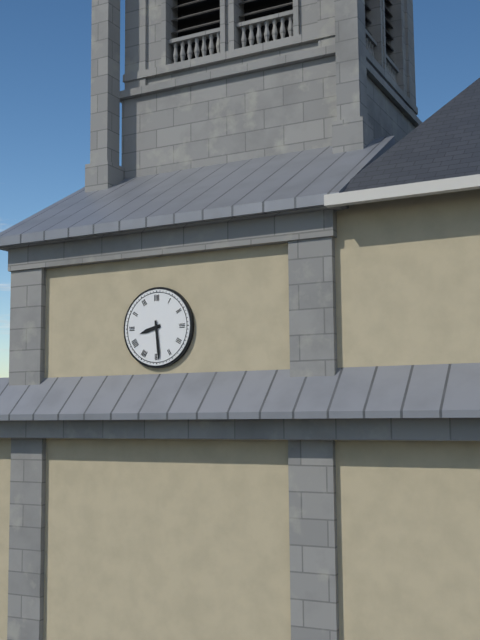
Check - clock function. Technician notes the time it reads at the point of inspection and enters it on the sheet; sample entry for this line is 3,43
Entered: 8,29
